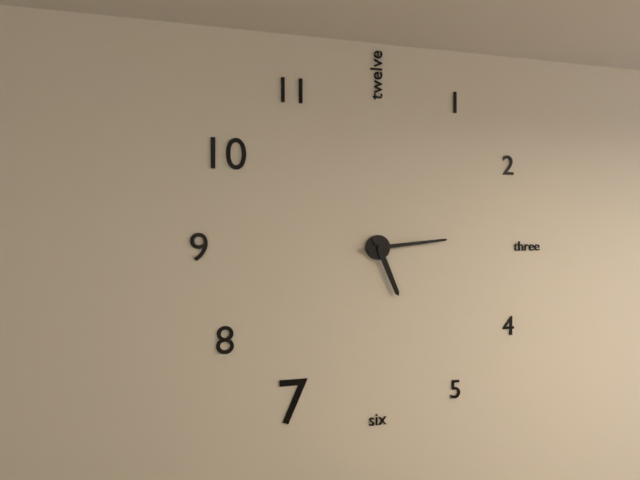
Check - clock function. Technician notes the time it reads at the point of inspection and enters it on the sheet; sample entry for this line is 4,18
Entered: 5,14
